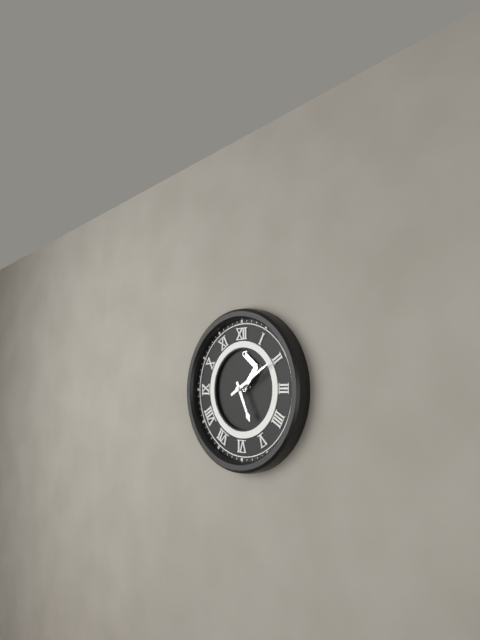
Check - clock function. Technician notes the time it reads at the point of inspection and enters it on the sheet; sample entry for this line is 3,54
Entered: 5,10
